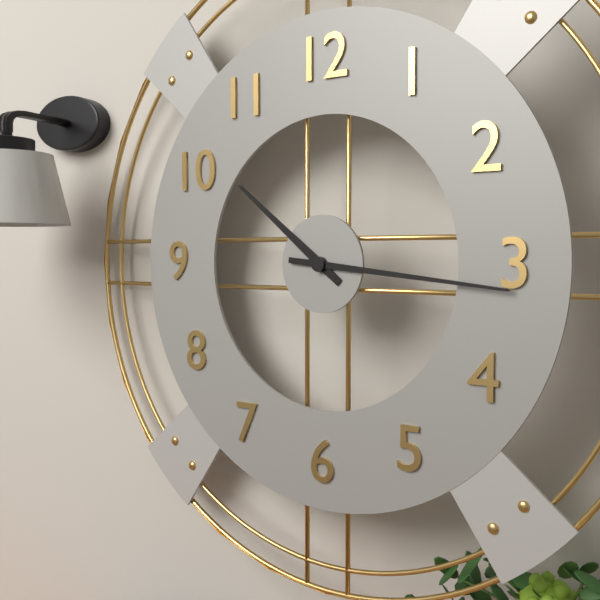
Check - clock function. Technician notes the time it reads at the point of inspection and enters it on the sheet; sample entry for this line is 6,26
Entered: 10,16
